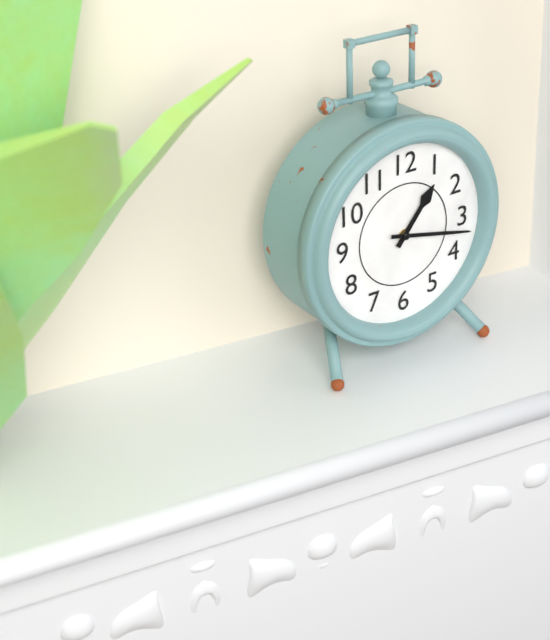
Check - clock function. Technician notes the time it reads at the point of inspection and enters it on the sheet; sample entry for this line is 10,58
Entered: 1,17
